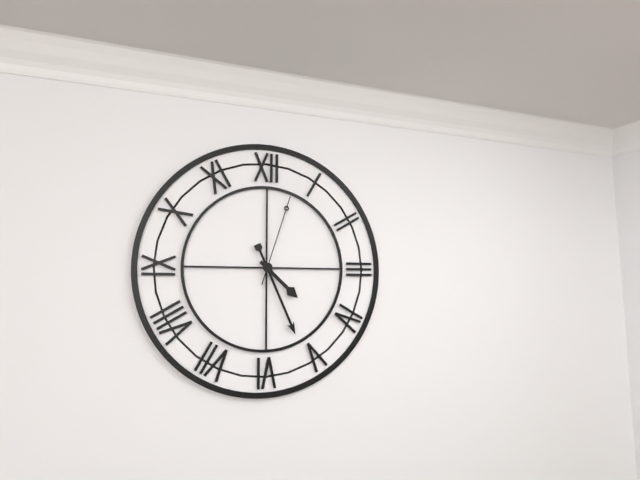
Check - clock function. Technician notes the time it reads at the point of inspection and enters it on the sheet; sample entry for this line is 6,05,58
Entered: 4,26,03
